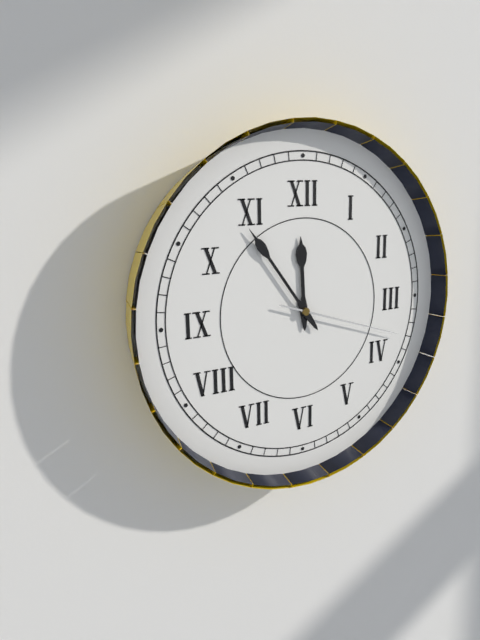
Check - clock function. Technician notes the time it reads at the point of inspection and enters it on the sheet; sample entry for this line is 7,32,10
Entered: 11,54,18
